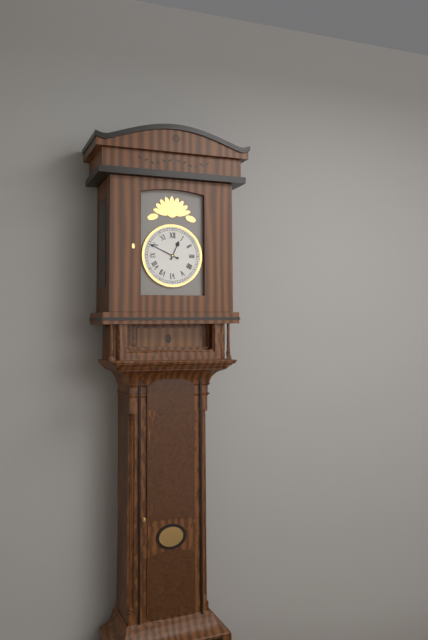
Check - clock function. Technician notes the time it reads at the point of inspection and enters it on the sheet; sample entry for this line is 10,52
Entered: 12,49
